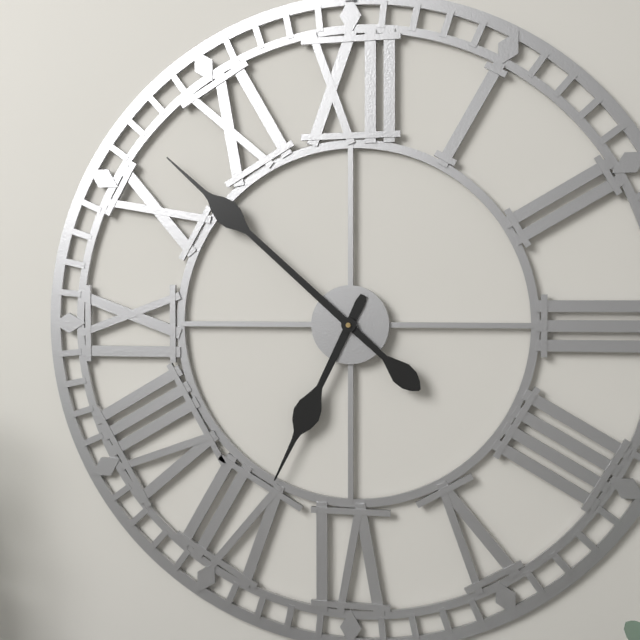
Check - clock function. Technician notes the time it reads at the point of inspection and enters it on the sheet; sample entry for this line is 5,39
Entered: 6,52
